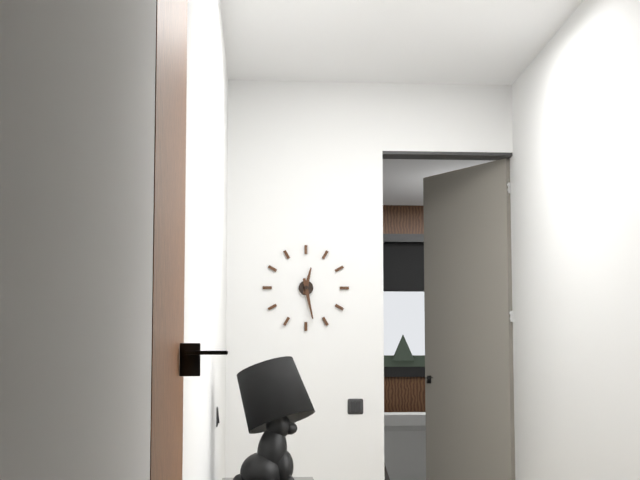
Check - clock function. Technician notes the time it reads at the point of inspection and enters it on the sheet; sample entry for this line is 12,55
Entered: 12,28
